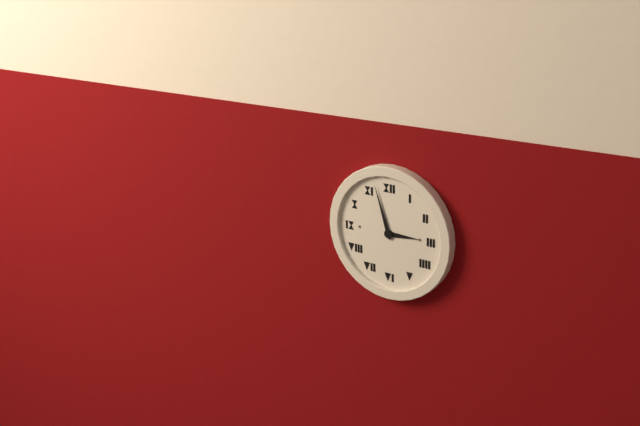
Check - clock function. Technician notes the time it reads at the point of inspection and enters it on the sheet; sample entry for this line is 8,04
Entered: 2,57
